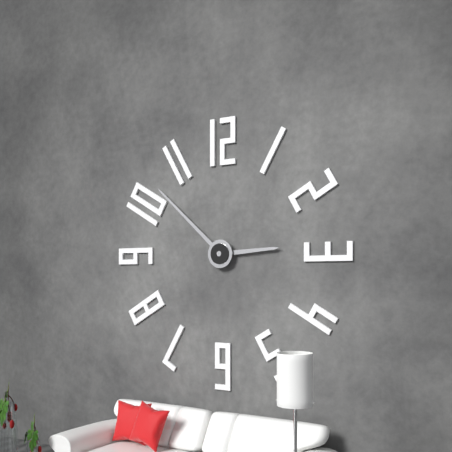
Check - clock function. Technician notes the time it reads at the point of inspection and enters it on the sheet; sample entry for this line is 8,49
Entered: 2,52
